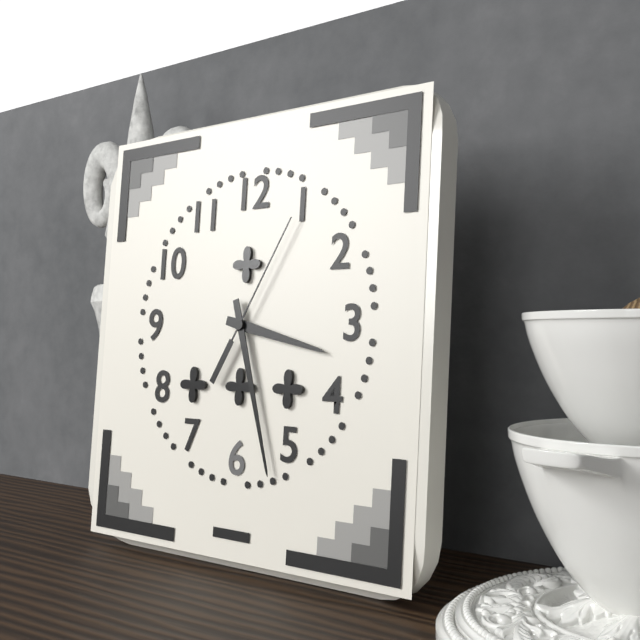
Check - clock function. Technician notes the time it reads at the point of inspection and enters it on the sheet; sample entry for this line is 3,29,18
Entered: 3,27,05
